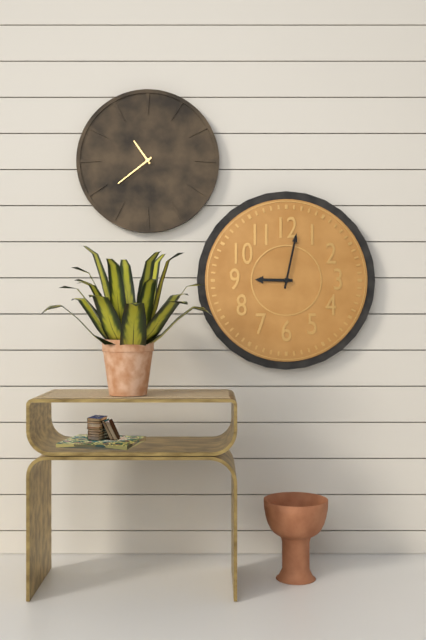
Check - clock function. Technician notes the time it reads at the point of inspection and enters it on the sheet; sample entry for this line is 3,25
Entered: 9,02
